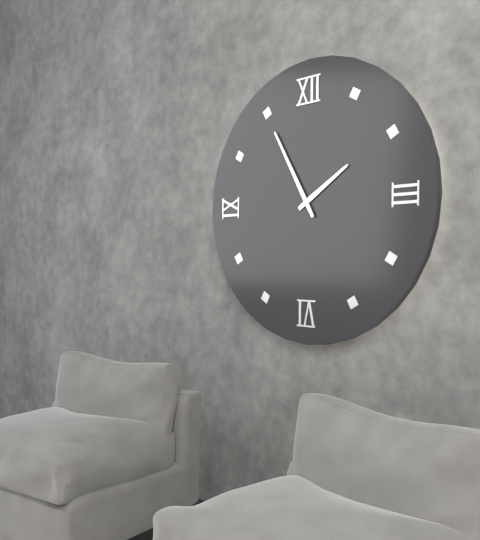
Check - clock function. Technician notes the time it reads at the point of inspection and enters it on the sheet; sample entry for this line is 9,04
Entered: 1,55
